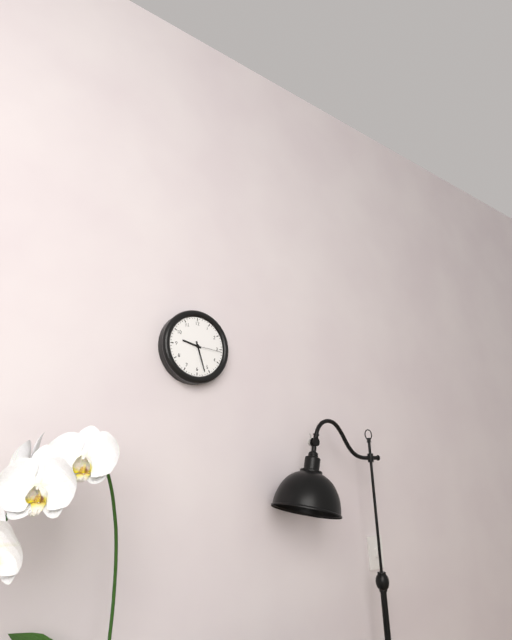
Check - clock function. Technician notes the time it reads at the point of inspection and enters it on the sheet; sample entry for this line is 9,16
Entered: 9,27
